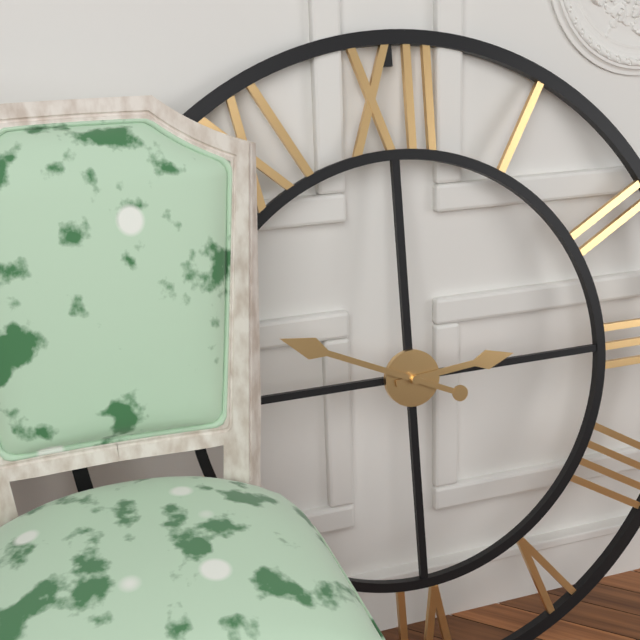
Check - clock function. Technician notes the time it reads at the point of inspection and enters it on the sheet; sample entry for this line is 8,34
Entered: 2,49
